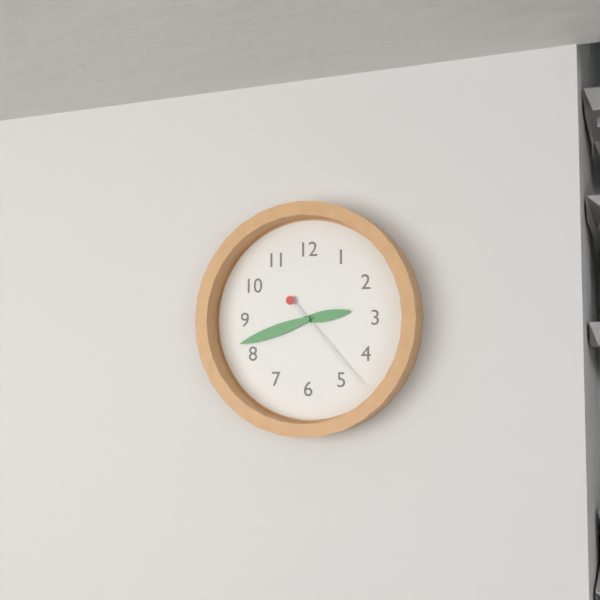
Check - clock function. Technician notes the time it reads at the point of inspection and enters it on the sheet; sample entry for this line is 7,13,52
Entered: 2,42,23
